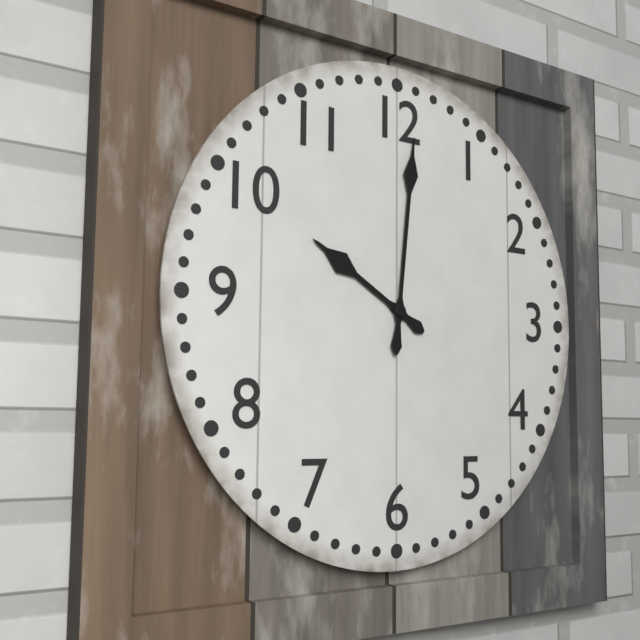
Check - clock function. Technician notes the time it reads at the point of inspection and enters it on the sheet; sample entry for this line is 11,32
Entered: 10,01
